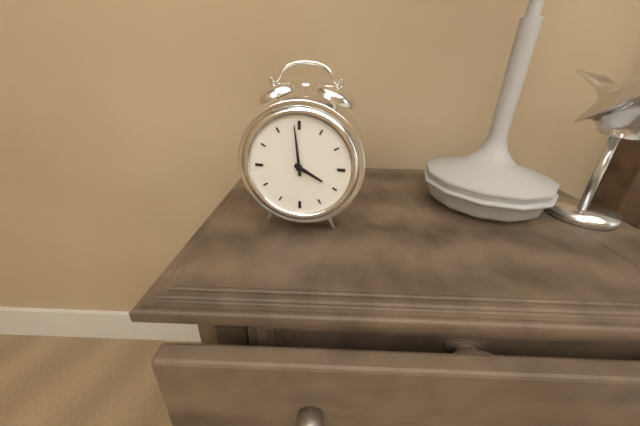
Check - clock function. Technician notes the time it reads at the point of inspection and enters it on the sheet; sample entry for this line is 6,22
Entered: 3,59
